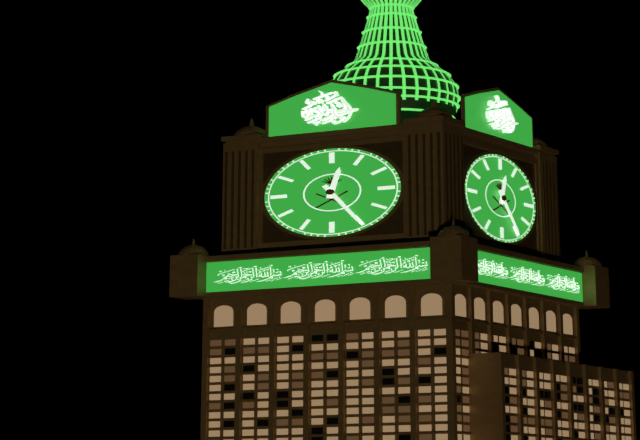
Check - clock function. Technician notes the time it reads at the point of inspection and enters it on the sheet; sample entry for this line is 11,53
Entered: 12,25
